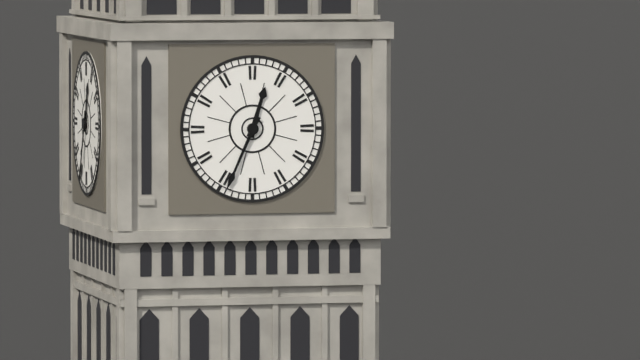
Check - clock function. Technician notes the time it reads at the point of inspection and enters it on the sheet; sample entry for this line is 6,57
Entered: 12,34
